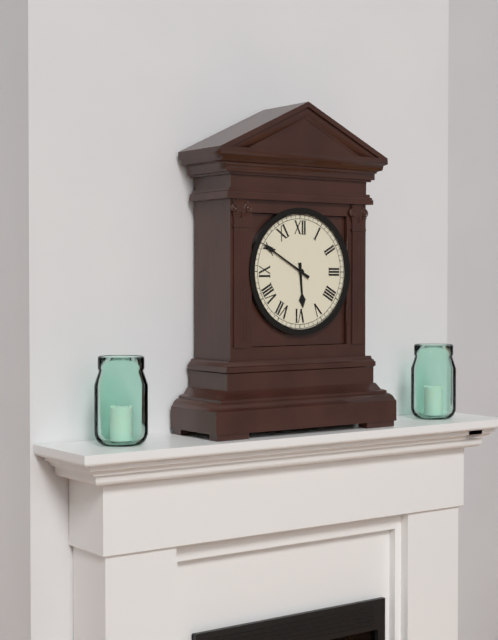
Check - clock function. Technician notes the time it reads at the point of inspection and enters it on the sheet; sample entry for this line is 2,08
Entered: 5,50
